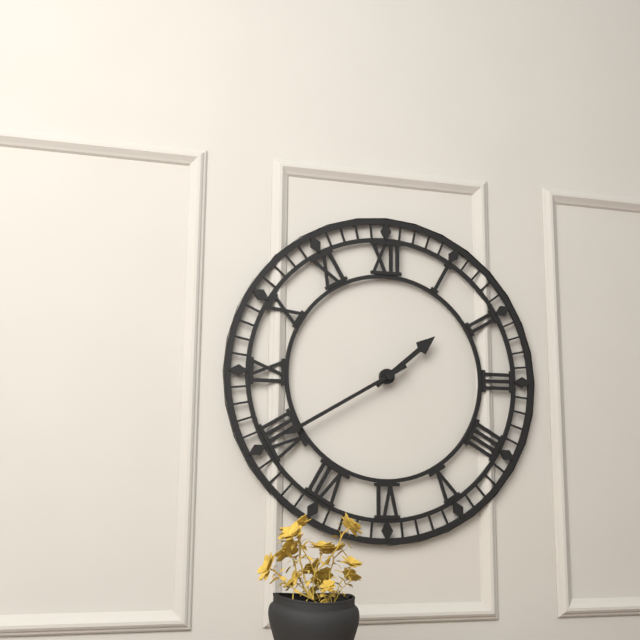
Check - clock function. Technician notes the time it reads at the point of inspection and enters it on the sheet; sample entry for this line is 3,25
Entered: 1,40
